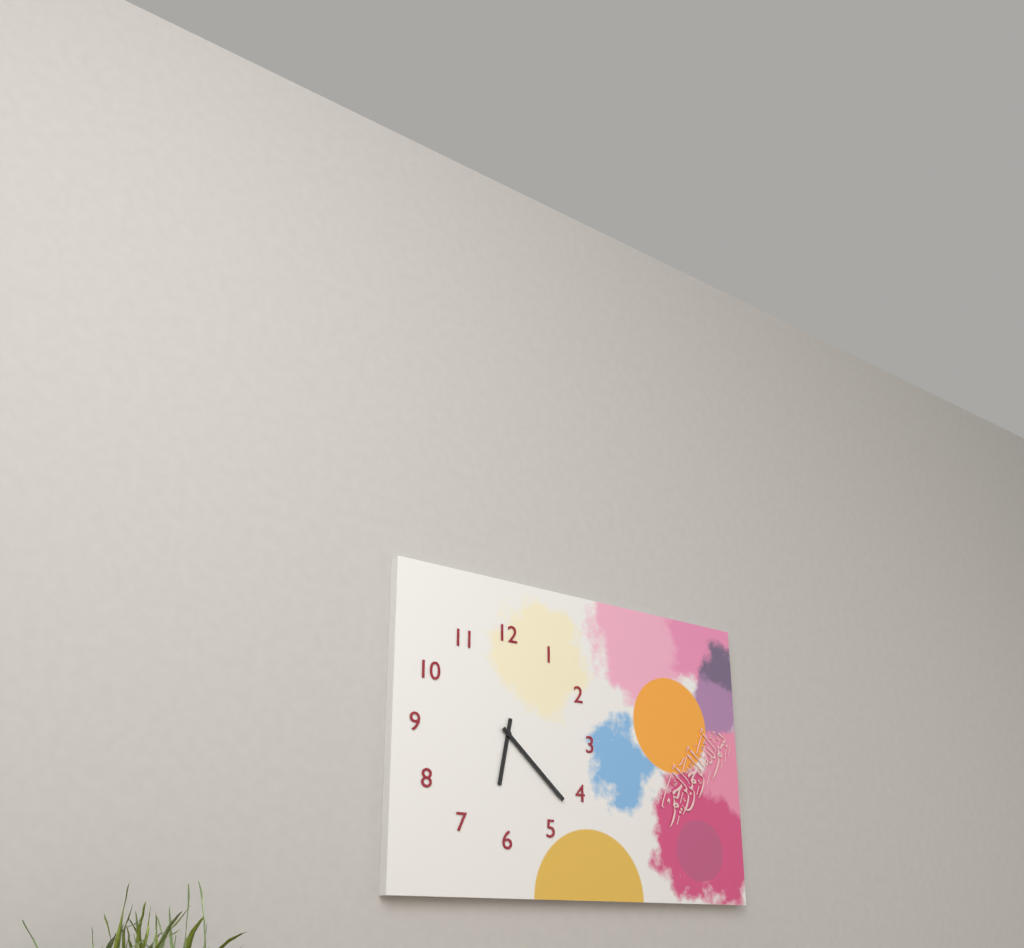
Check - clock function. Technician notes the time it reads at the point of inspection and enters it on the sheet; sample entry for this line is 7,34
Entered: 6,22
